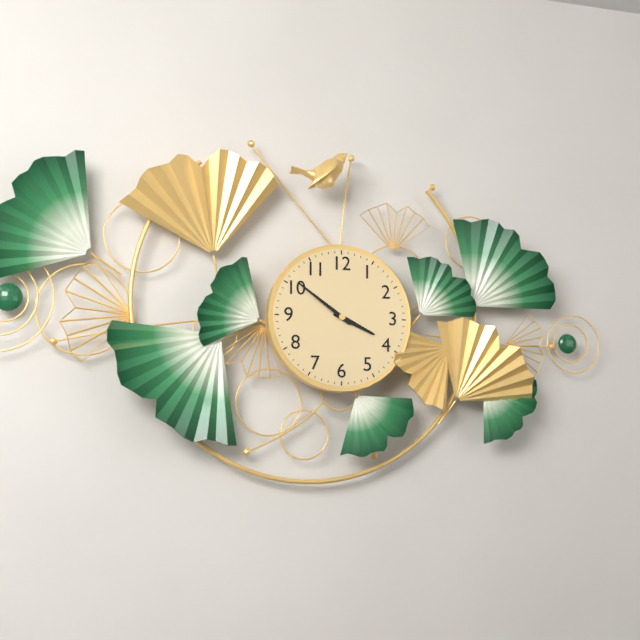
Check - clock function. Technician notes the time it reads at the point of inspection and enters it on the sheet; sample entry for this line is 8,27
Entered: 3,51
